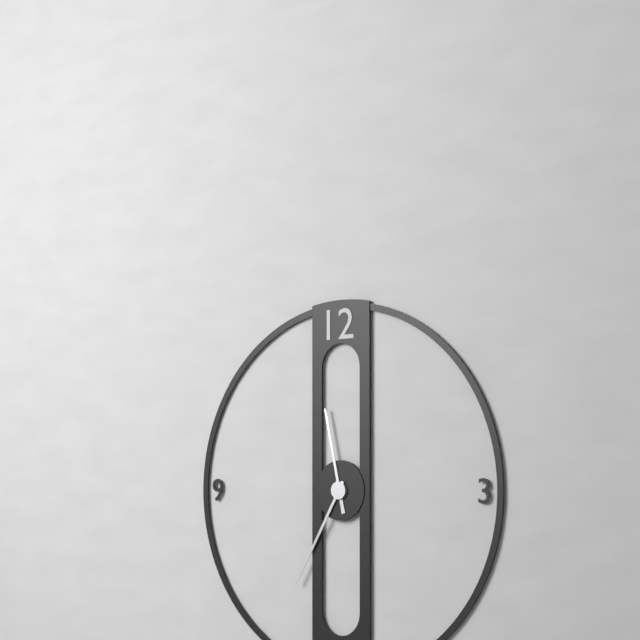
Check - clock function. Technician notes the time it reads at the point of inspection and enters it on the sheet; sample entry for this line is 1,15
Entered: 11,35
